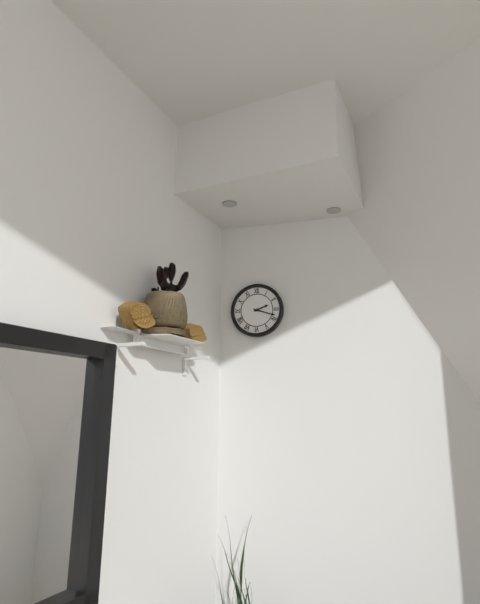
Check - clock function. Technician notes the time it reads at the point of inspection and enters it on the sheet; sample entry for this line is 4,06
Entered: 2,18
